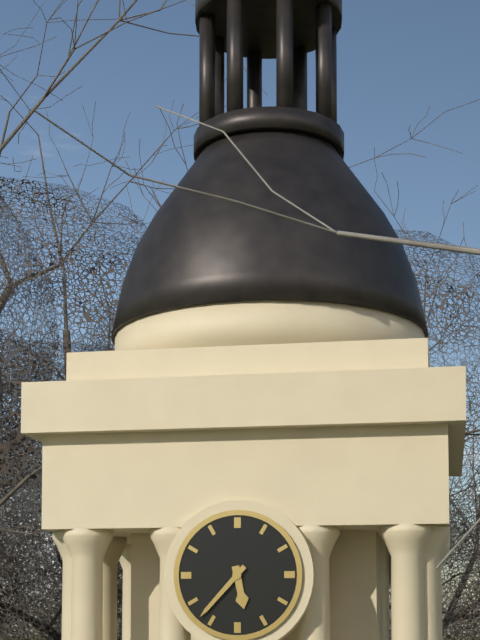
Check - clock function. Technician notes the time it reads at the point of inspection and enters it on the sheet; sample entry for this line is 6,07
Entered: 5,37
